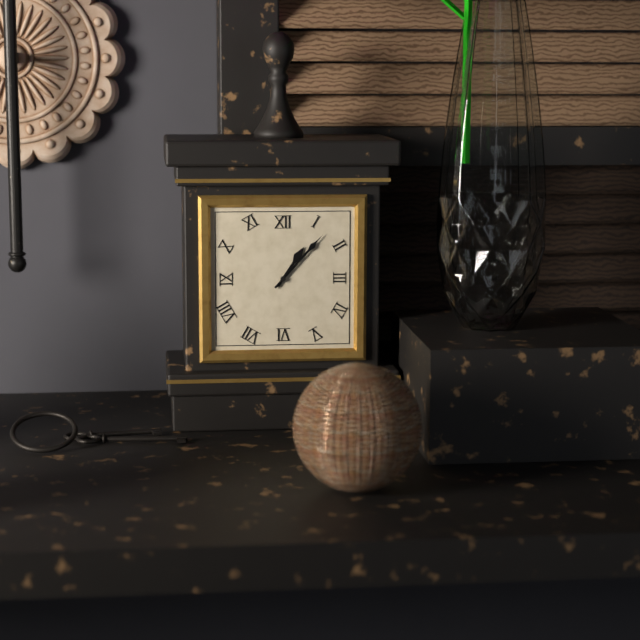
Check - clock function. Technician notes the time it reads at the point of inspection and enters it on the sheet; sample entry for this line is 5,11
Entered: 1,07
